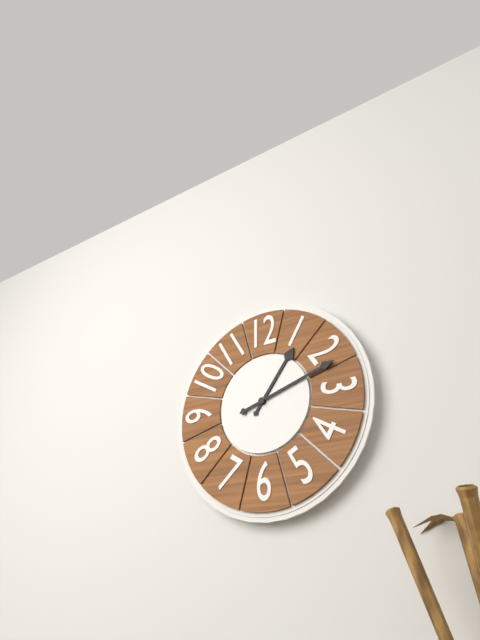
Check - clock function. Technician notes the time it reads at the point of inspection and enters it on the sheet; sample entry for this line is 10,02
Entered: 1,12
